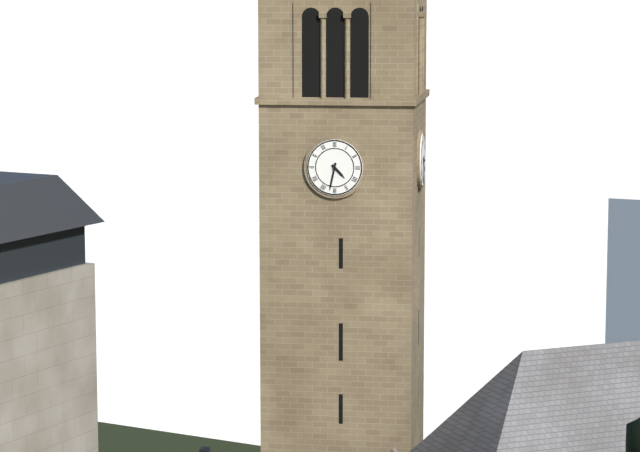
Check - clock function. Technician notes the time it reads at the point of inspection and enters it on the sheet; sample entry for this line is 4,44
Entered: 4,32
